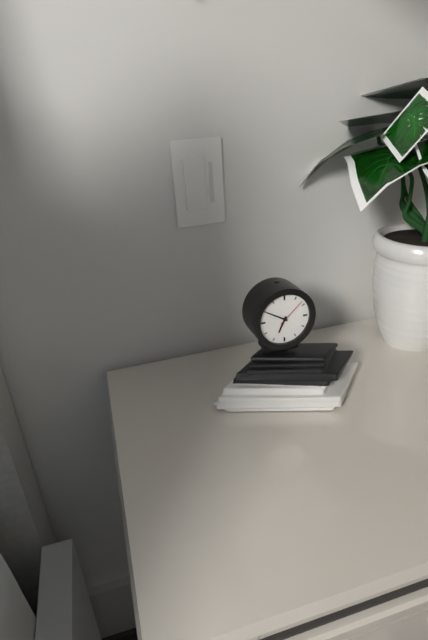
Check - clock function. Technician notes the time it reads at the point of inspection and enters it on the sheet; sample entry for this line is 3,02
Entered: 6,50
